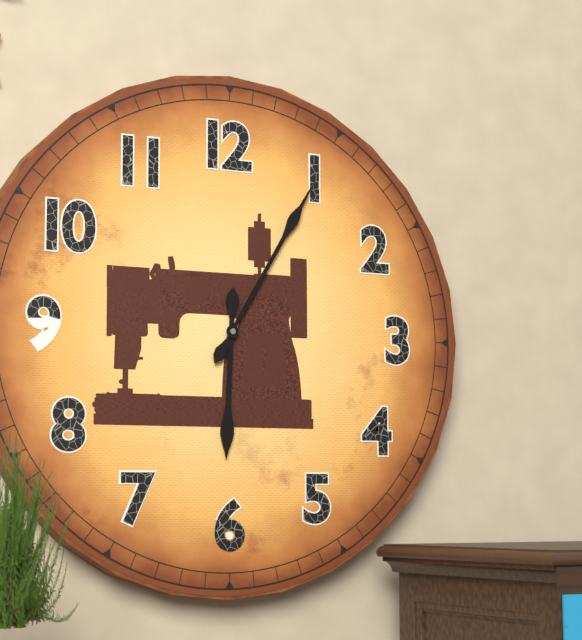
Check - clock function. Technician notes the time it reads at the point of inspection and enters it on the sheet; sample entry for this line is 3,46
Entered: 6,05
